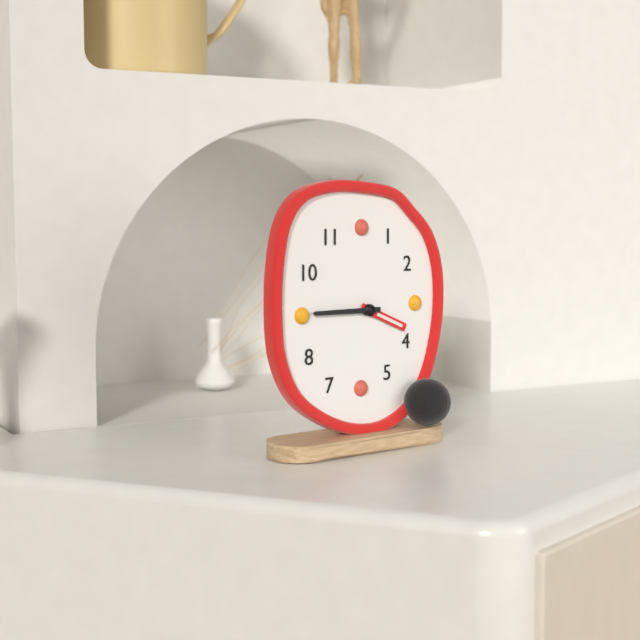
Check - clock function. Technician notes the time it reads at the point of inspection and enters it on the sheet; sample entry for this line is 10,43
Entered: 3,45
